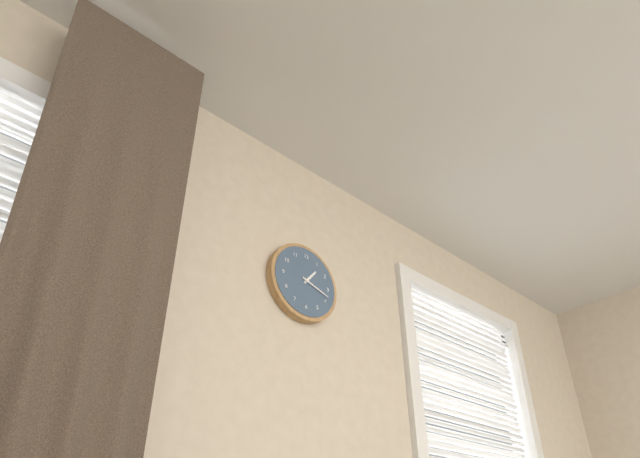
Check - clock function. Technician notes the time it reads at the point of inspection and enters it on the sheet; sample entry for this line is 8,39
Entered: 1,18
